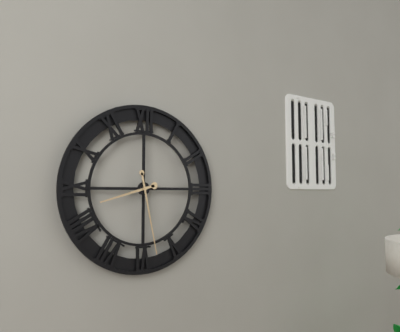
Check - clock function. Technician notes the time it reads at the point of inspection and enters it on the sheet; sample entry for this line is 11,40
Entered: 8,28
